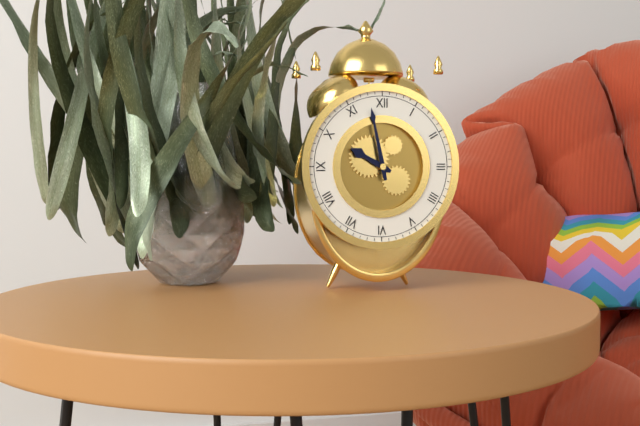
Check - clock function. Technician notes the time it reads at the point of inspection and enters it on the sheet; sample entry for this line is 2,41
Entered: 9,58
